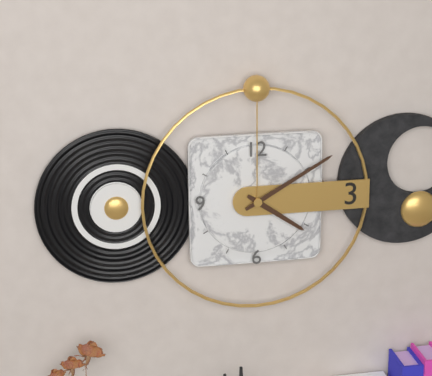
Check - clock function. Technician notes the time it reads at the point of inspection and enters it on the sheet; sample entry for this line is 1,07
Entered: 4,10
